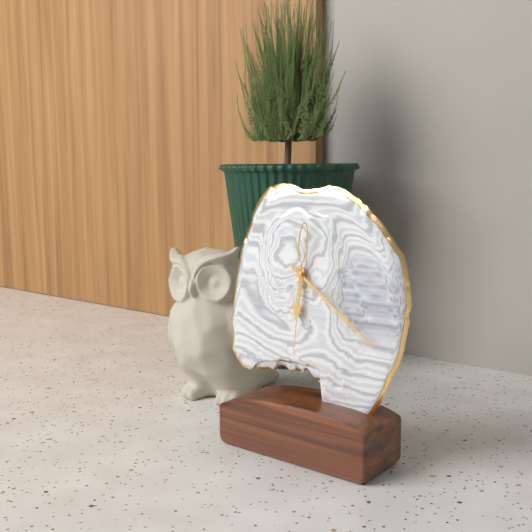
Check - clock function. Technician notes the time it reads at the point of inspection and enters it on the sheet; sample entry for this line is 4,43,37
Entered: 6,21,31
